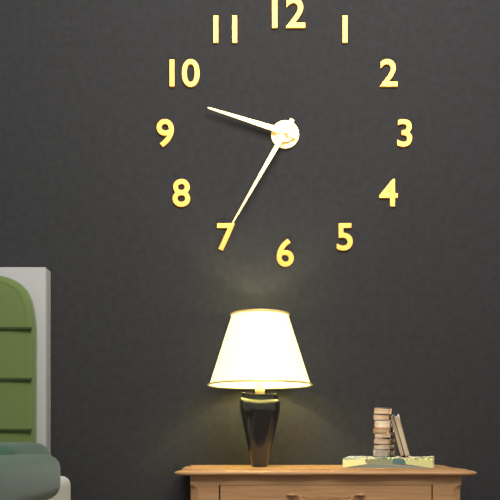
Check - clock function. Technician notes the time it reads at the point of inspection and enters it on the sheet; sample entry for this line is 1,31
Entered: 9,35
